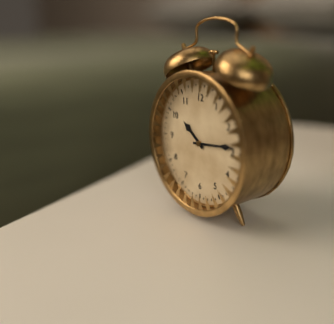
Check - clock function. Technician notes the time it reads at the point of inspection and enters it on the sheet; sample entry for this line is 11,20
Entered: 10,14
